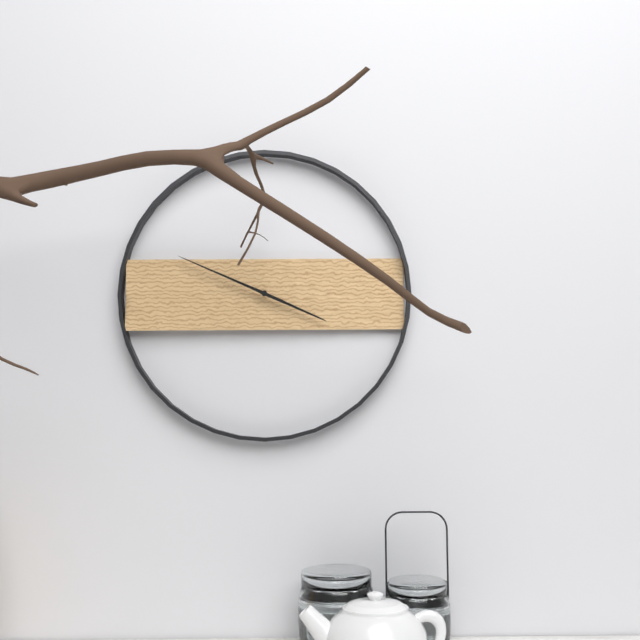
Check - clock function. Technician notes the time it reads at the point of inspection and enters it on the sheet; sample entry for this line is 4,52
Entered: 3,49
